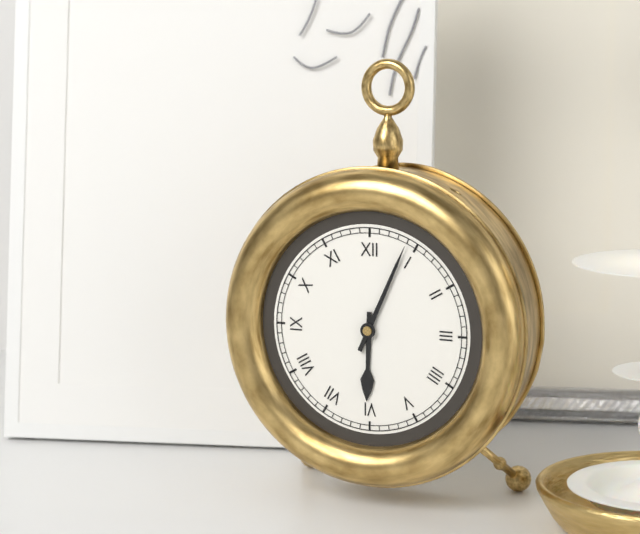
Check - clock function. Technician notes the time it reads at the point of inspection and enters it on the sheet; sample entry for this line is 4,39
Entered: 6,04
